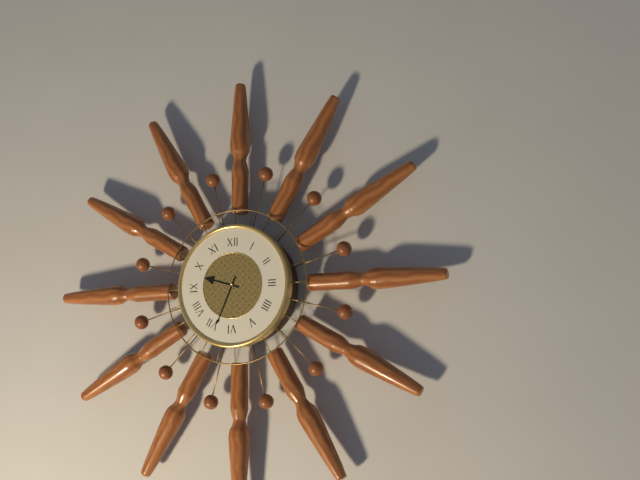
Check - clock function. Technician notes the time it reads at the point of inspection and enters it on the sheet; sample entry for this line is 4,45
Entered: 9,34
